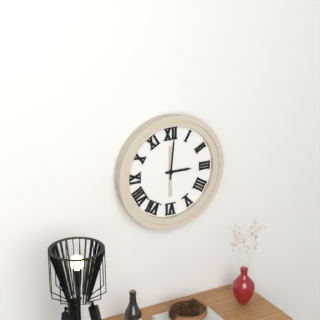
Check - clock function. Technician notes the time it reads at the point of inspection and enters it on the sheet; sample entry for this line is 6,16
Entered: 3,01
